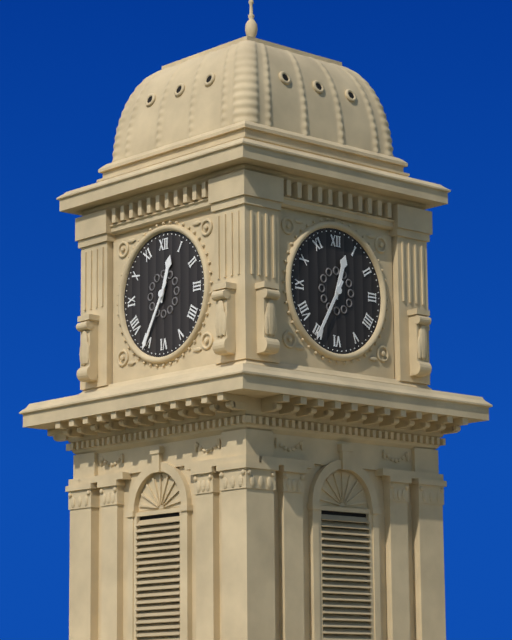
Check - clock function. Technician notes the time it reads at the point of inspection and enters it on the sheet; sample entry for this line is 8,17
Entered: 12,35
